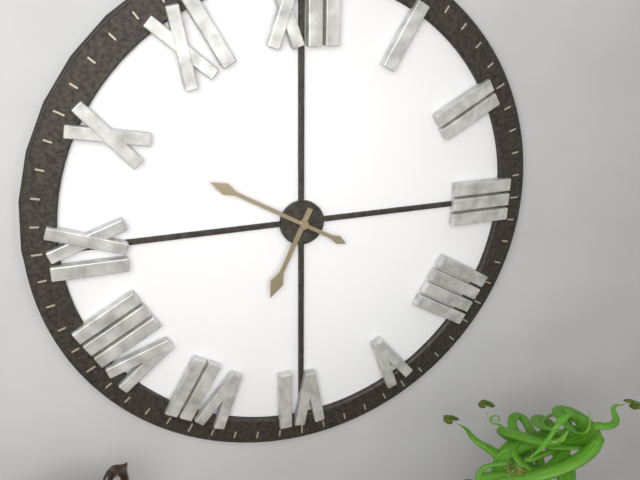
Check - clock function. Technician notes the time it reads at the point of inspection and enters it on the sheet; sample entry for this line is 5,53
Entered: 6,50
